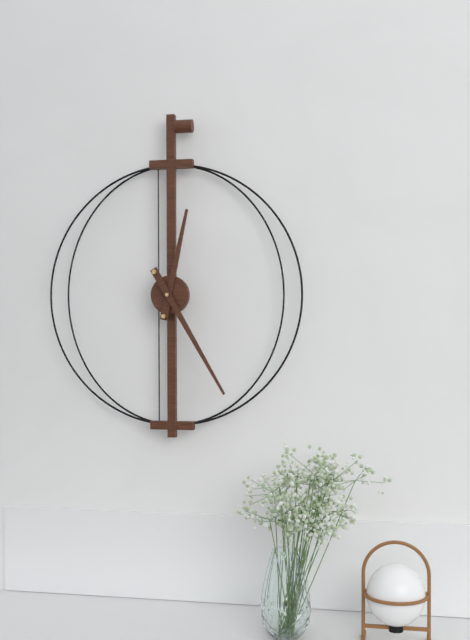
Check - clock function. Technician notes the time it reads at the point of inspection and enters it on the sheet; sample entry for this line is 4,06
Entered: 12,25
